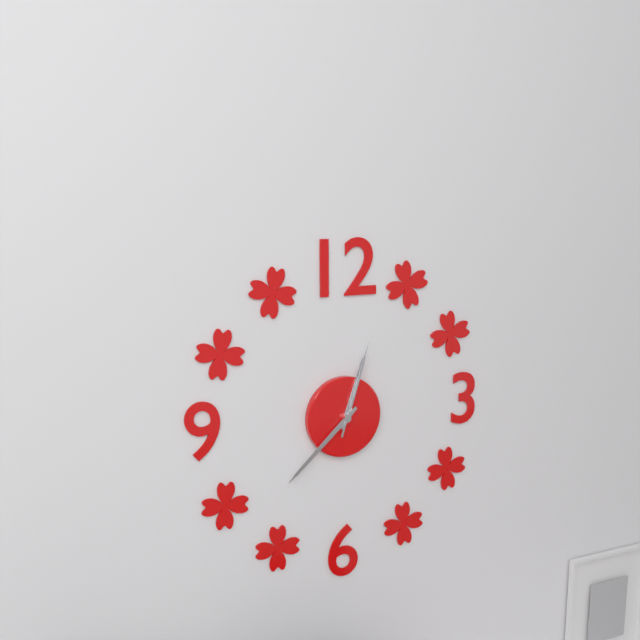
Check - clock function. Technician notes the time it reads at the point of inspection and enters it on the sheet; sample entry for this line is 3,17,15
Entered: 12,38,03
